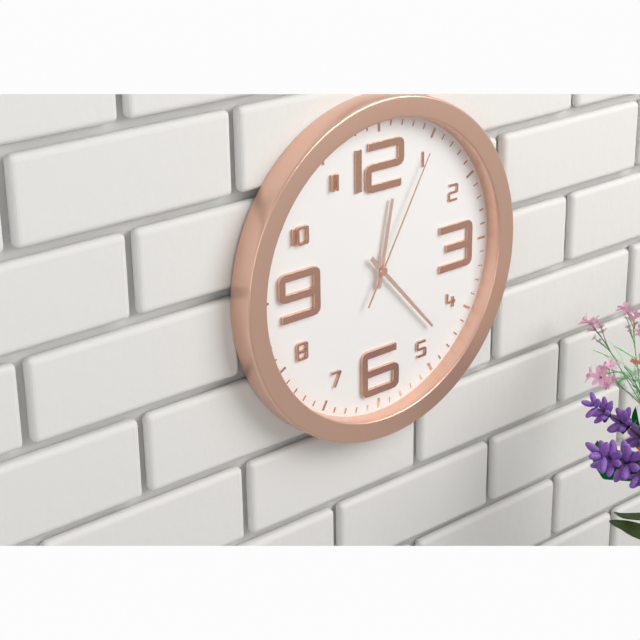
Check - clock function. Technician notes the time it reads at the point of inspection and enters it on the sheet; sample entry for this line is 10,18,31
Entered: 12,23,05
